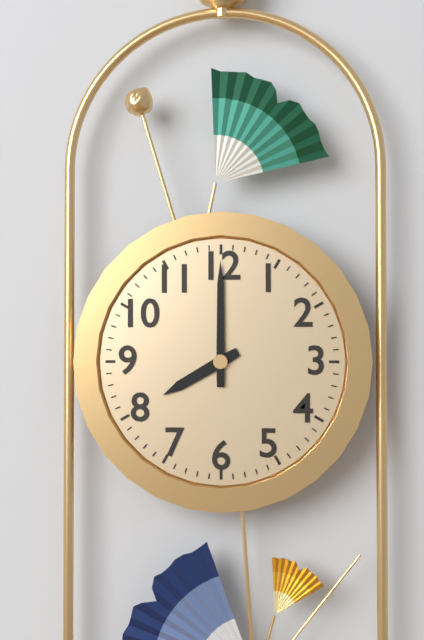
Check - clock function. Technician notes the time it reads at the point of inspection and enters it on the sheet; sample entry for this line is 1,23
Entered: 8,00
